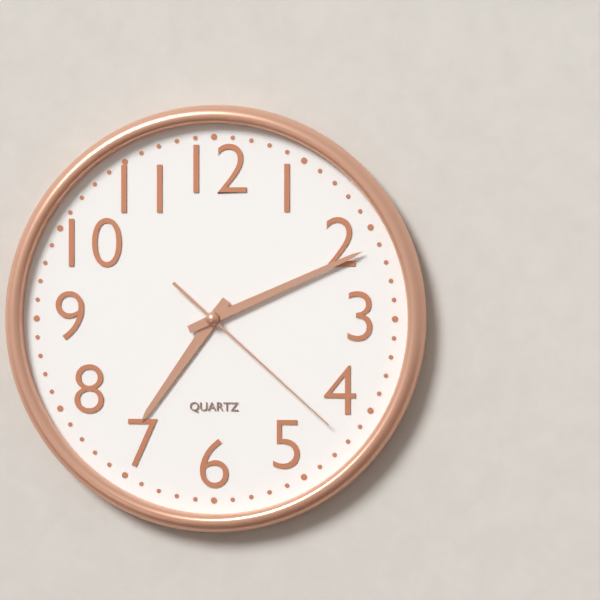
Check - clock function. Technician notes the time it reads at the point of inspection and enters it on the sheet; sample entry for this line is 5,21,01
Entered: 7,11,22
